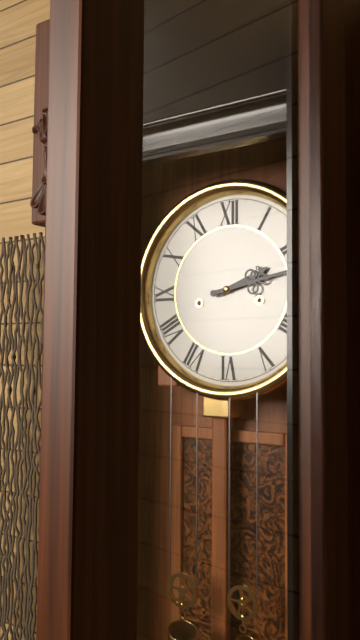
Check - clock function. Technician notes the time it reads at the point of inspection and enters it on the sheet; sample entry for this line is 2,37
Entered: 2,13
